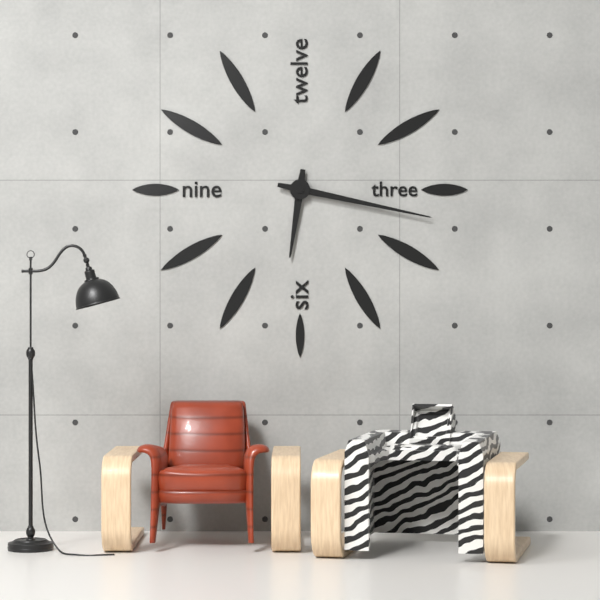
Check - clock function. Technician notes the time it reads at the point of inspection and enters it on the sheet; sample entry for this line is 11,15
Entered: 6,17
